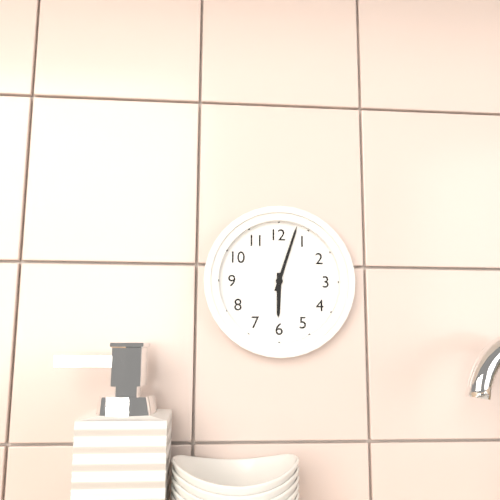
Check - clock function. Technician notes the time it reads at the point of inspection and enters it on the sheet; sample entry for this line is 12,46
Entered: 6,03
